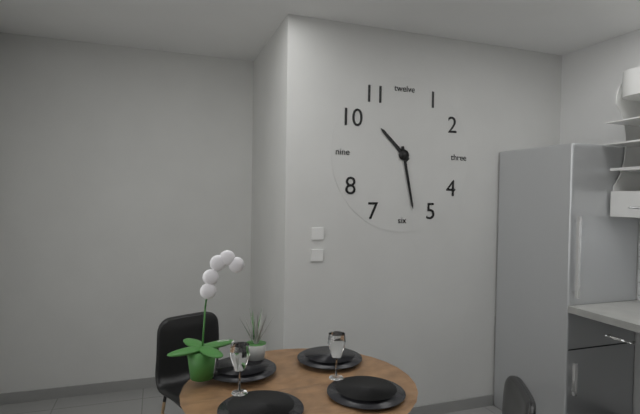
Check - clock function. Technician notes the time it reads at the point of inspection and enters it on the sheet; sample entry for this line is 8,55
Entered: 10,28
